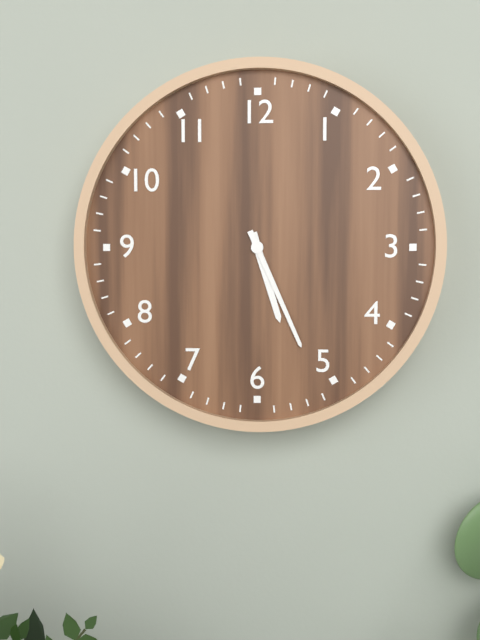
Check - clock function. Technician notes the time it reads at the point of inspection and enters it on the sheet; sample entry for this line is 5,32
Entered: 5,26
